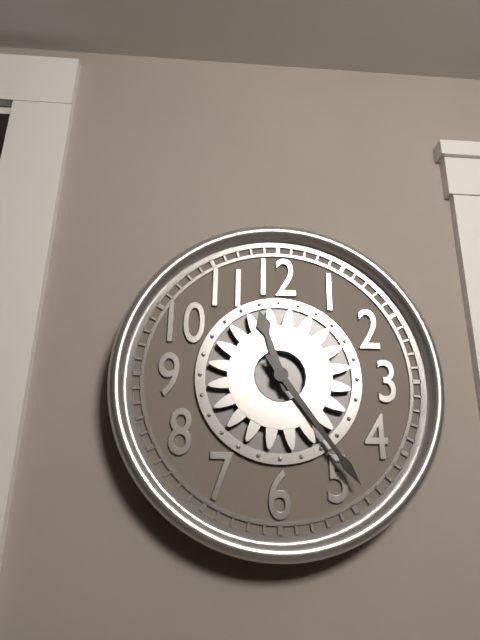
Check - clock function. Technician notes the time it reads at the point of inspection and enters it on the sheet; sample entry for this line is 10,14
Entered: 11,24
